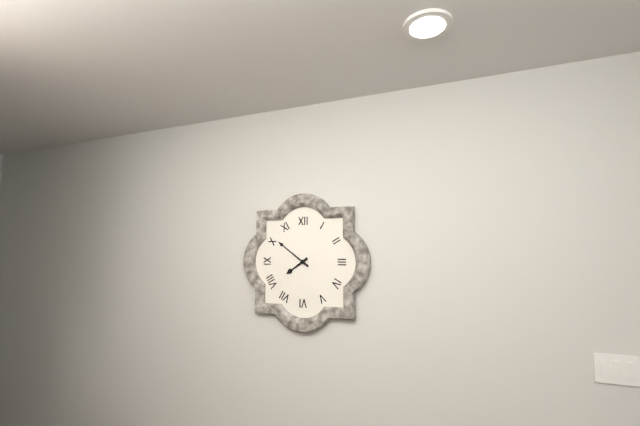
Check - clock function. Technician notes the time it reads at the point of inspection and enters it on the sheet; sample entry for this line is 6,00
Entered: 7,51
